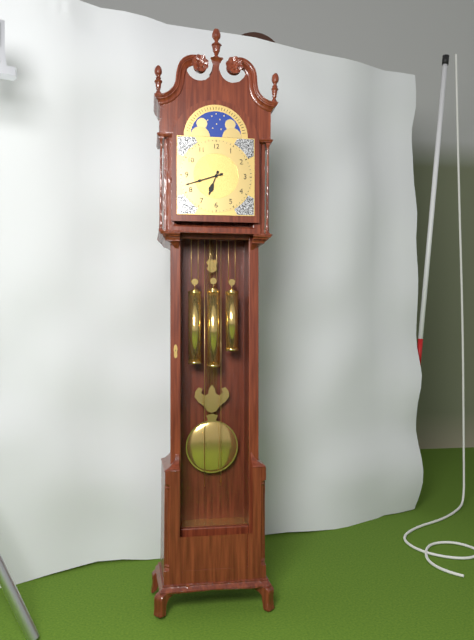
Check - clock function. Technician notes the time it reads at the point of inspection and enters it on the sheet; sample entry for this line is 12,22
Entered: 6,42
